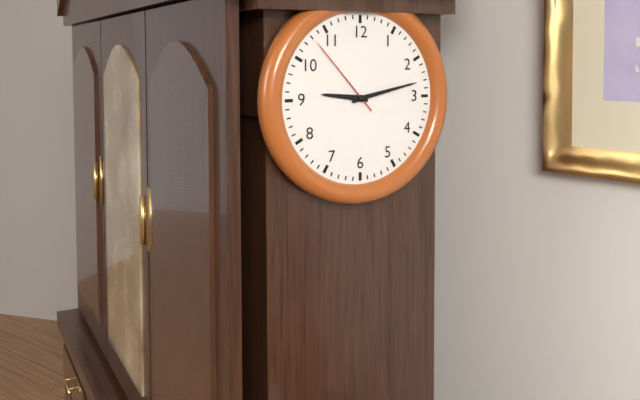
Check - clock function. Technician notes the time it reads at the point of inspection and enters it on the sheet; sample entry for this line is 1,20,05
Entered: 9,13,53
